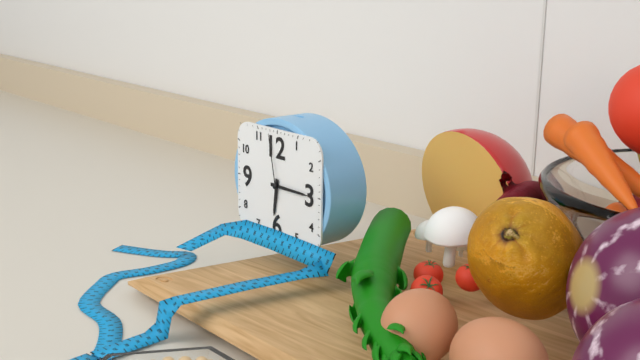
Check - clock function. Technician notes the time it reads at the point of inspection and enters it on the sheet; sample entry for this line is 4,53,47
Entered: 6,15,58
